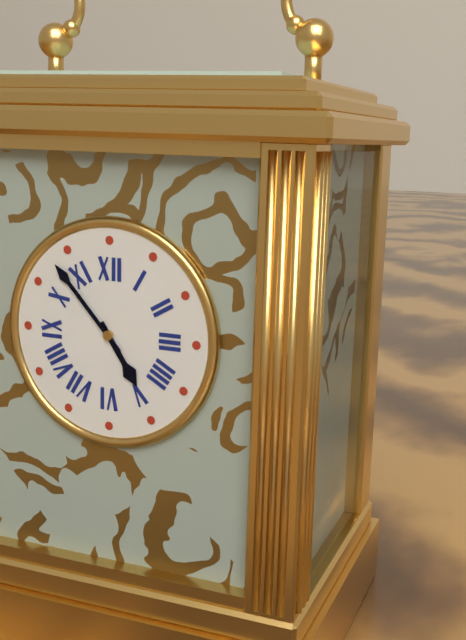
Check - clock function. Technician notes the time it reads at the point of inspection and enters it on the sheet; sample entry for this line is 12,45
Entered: 4,53
